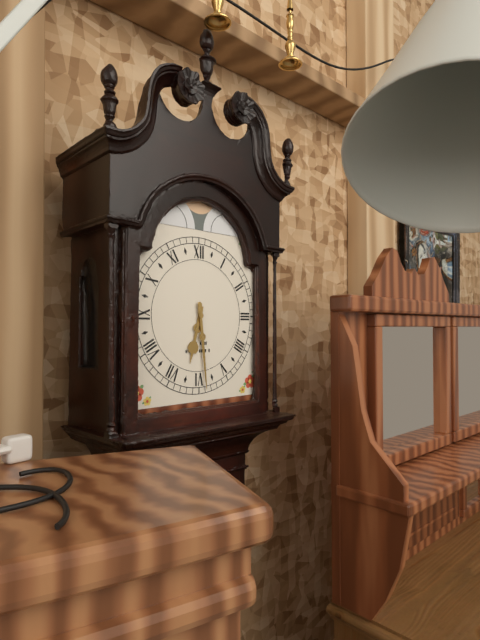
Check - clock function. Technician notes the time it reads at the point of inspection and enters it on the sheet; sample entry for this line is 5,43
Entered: 6,29
